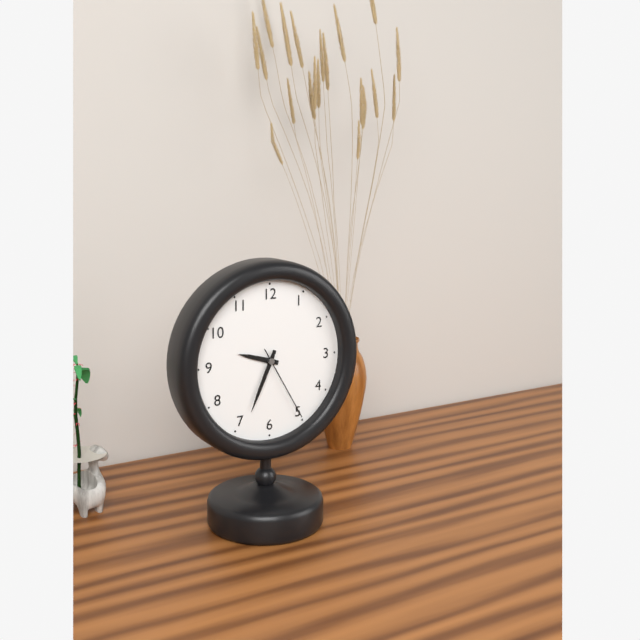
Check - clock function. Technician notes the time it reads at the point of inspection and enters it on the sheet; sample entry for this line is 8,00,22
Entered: 9,34,25
